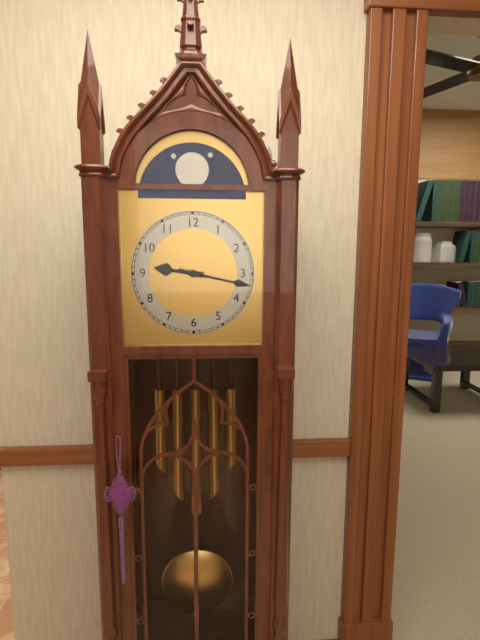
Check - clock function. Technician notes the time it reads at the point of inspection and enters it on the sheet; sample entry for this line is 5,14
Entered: 9,17
